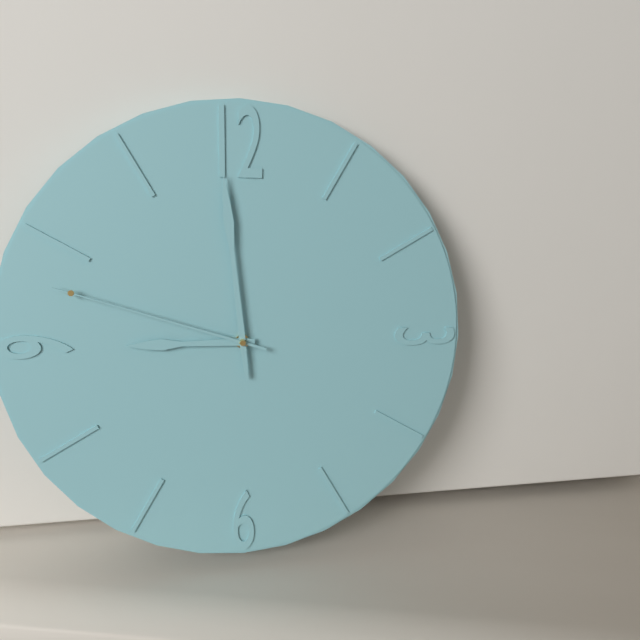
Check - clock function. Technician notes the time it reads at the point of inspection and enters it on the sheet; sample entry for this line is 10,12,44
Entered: 8,59,48
